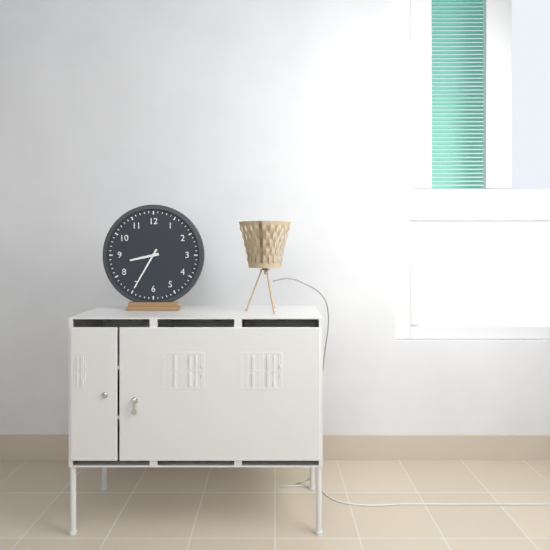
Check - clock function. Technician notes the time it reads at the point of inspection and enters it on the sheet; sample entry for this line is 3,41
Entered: 8,35
